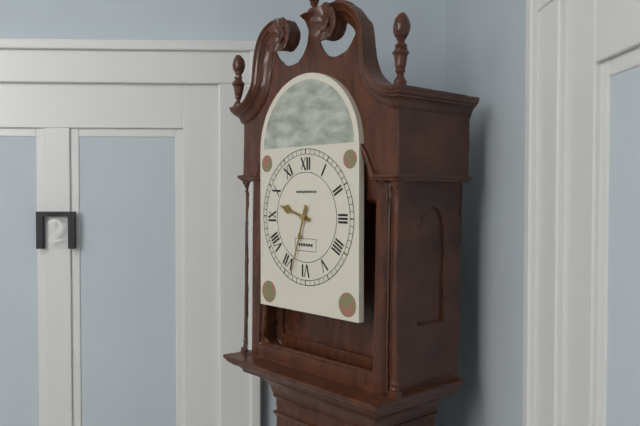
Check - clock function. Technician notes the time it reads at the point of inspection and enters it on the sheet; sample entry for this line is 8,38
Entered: 9,33
